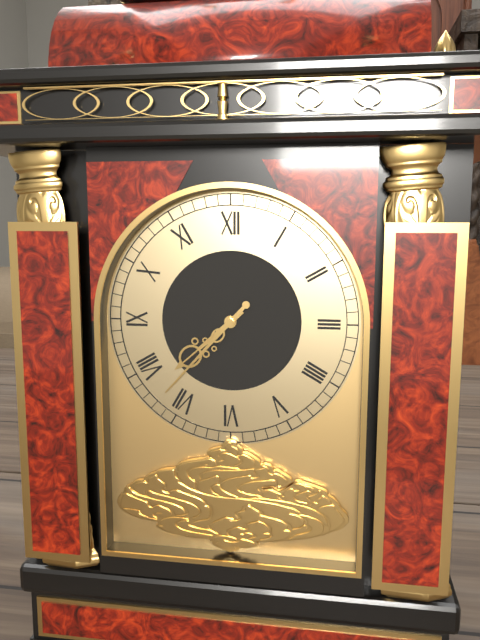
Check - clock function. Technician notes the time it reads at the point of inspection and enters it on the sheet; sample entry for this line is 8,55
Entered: 7,37
